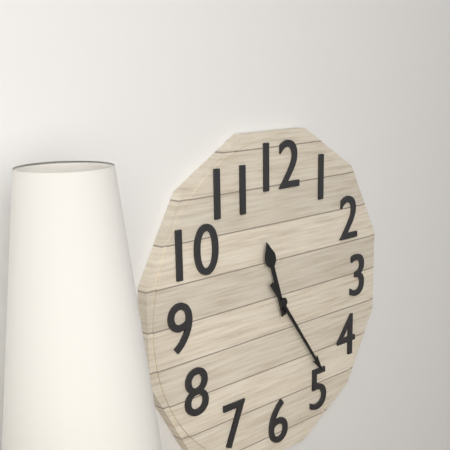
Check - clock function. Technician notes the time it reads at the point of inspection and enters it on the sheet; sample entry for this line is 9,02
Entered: 11,24
